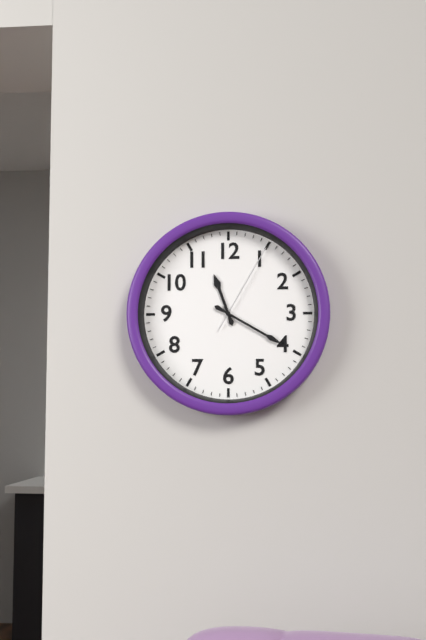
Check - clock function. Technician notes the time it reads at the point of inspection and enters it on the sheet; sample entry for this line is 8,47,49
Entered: 11,20,05
